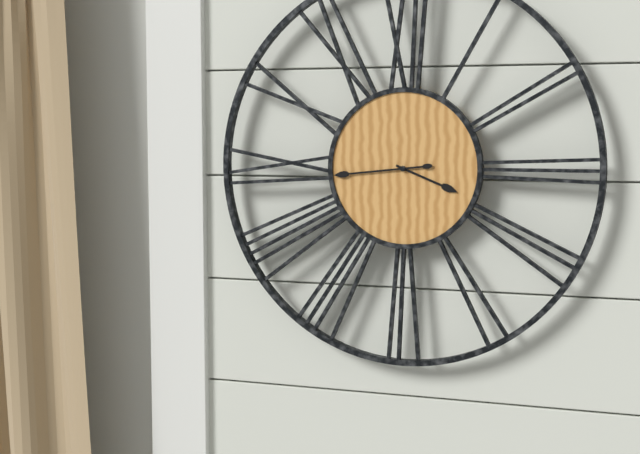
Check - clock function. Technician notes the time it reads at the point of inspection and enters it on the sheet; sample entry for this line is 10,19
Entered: 3,44
